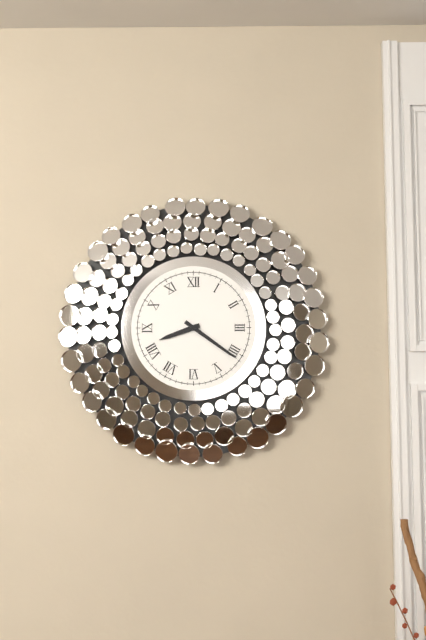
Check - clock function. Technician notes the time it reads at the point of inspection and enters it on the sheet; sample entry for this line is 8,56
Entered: 8,21
